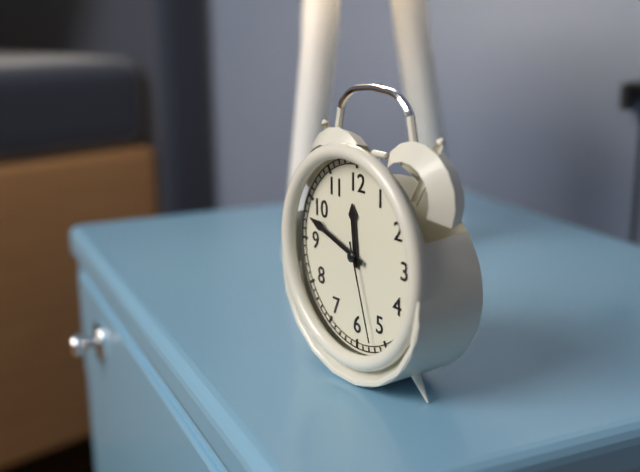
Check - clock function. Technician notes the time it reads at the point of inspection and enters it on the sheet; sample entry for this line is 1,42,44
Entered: 11,48,27
